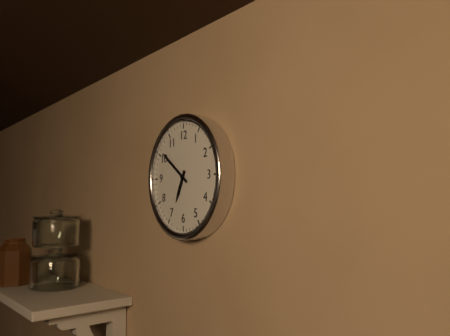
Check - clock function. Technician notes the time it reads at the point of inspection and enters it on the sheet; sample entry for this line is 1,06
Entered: 6,51
